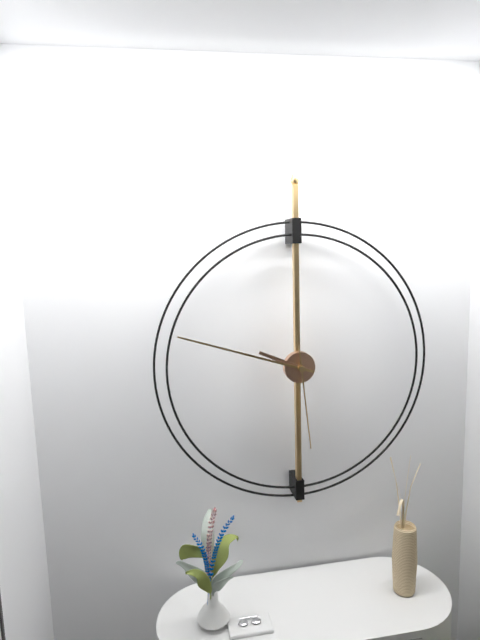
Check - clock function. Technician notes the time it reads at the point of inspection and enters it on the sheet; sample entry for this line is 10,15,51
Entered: 9,48,29
